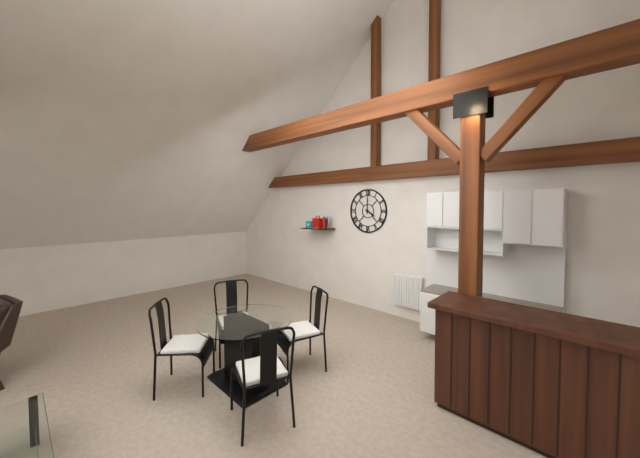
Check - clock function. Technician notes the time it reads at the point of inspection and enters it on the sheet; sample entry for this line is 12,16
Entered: 4,00
